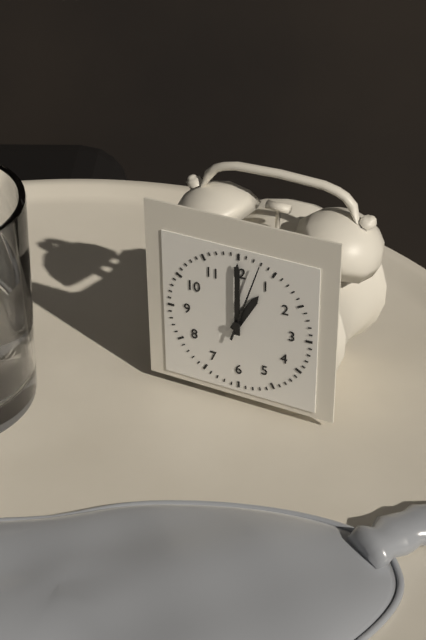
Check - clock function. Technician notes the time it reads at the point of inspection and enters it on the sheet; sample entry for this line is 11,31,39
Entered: 1,00,03
